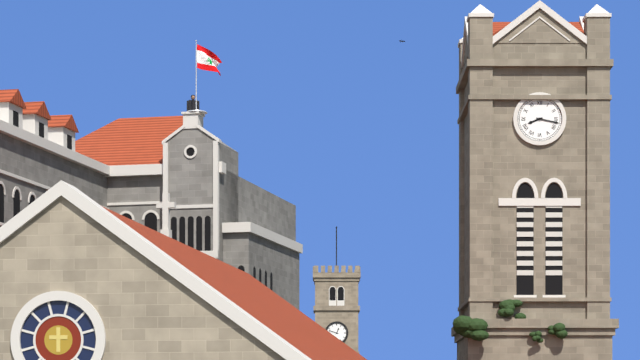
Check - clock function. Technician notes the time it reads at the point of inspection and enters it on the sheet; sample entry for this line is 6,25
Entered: 8,17
